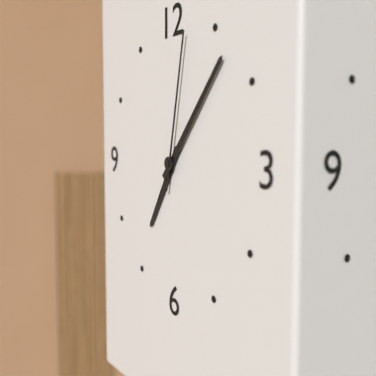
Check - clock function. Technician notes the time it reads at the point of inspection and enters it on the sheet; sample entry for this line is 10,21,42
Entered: 7,07,02
